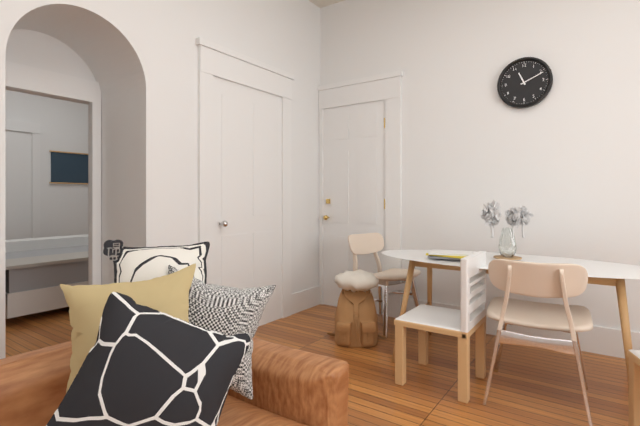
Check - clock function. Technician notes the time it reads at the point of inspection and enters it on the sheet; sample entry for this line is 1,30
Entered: 11,11
